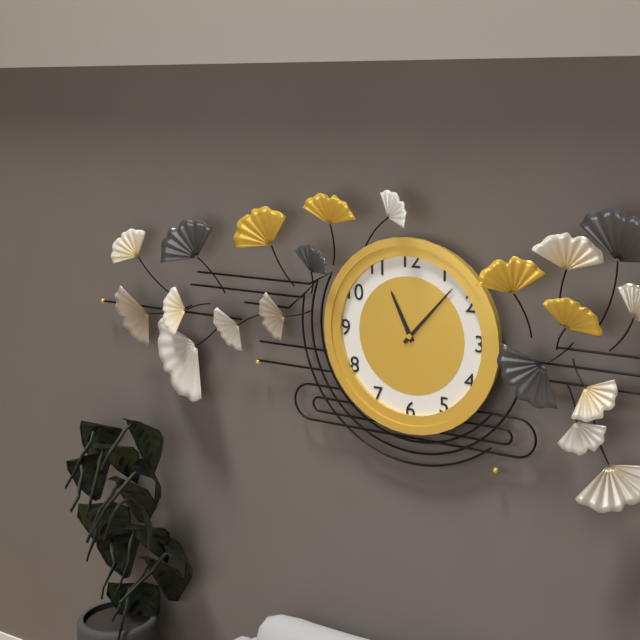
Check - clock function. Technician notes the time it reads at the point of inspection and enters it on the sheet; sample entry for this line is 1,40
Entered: 11,07
